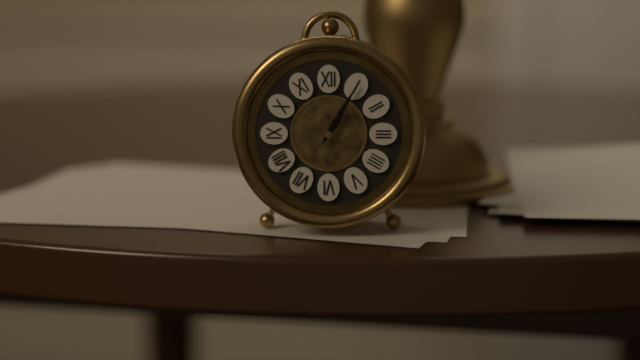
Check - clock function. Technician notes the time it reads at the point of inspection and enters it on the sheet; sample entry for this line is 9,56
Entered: 1,05
